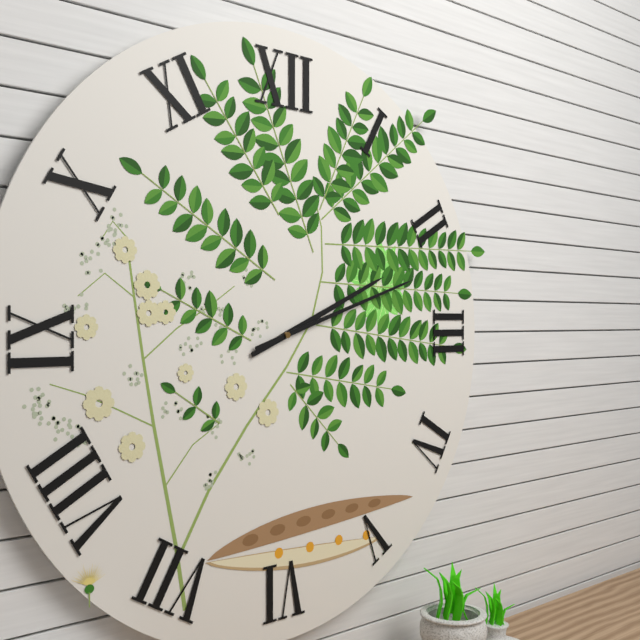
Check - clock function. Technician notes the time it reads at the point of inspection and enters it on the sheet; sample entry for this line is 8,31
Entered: 2,12
